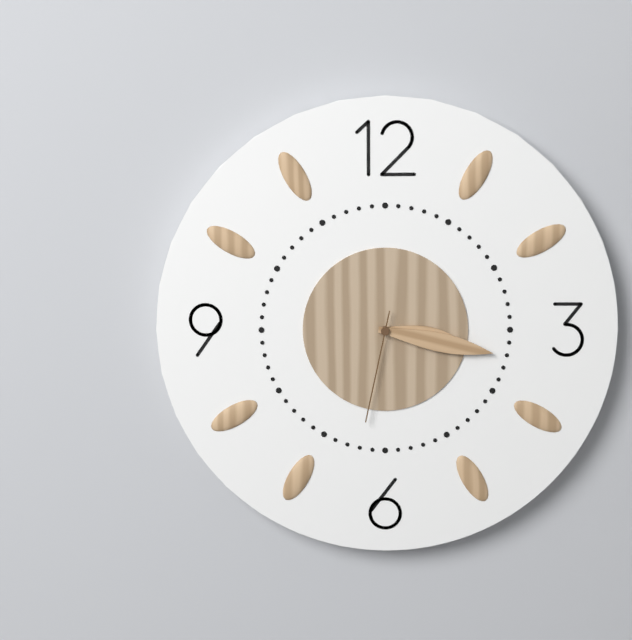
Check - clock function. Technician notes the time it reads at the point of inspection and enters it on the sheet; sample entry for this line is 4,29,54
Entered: 3,17,32
